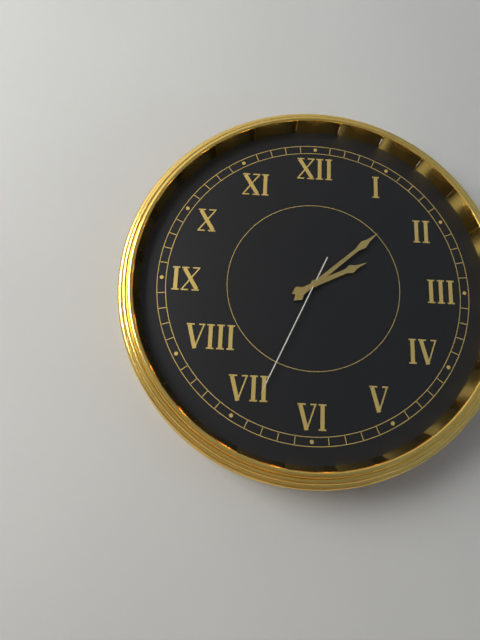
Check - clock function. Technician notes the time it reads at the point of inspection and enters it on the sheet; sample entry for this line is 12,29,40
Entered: 2,08,34
